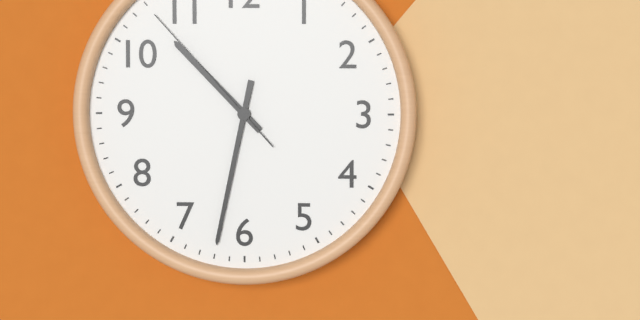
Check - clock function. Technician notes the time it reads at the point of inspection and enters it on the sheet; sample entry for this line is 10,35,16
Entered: 10,32,53
